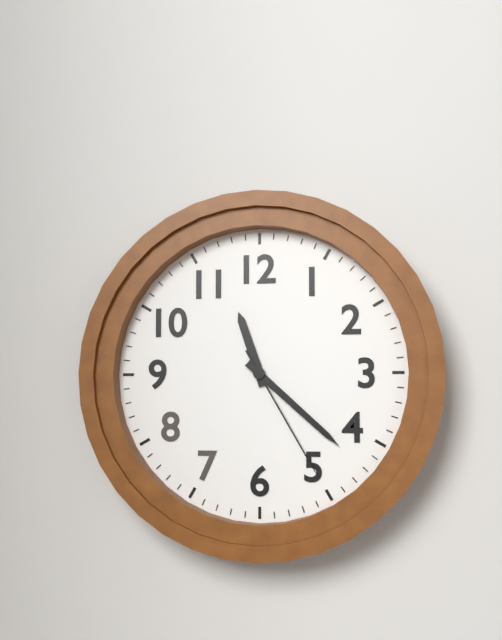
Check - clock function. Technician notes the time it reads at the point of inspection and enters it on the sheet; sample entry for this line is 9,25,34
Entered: 11,22,25
